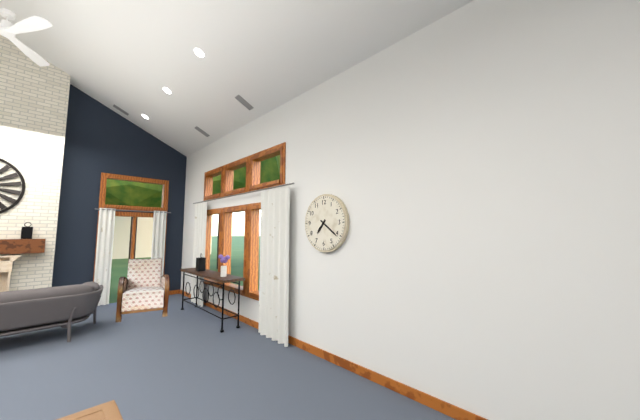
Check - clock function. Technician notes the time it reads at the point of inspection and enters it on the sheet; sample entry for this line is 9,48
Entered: 7,21
